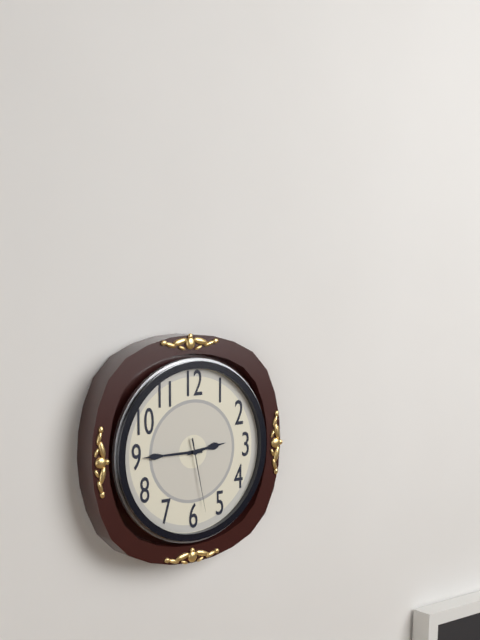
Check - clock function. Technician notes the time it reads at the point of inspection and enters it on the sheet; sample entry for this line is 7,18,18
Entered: 2,45,28
